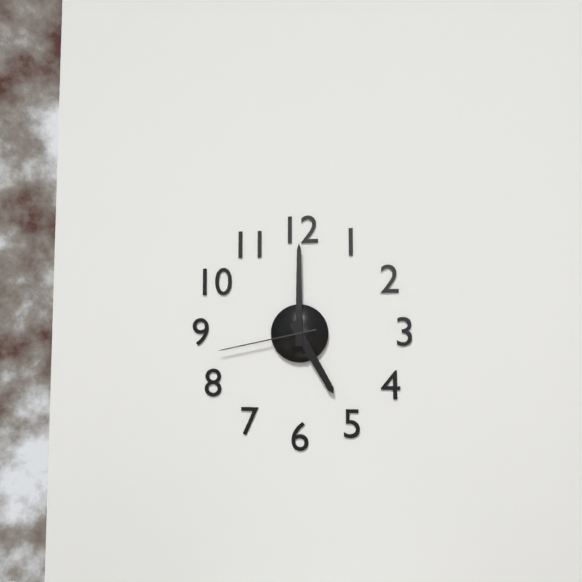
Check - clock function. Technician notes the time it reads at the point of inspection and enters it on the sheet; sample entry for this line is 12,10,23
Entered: 5,00,43
